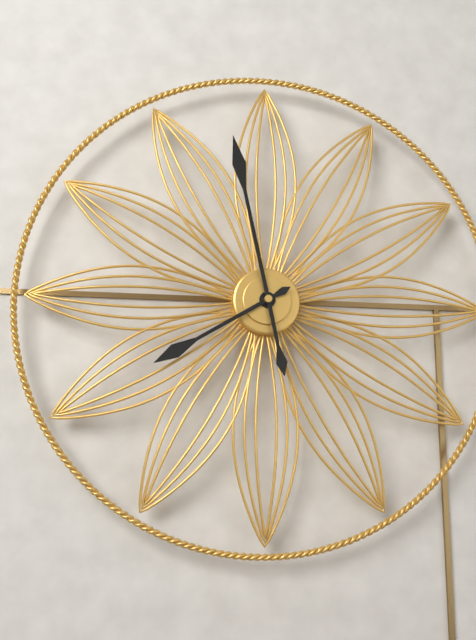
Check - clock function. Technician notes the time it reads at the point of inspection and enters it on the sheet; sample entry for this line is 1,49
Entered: 7,58
